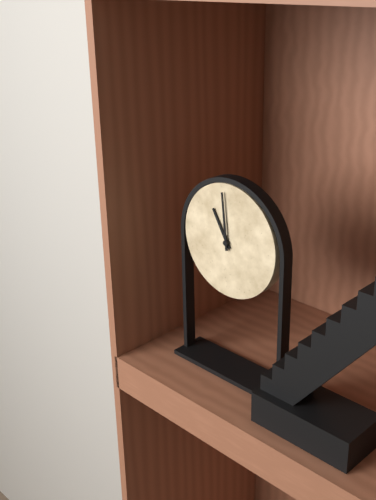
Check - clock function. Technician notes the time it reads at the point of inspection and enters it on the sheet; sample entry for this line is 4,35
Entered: 10,59
